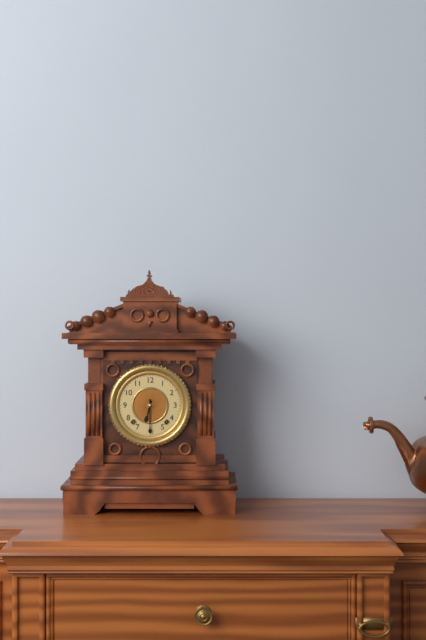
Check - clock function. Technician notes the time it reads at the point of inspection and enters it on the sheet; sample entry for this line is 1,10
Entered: 6,30
